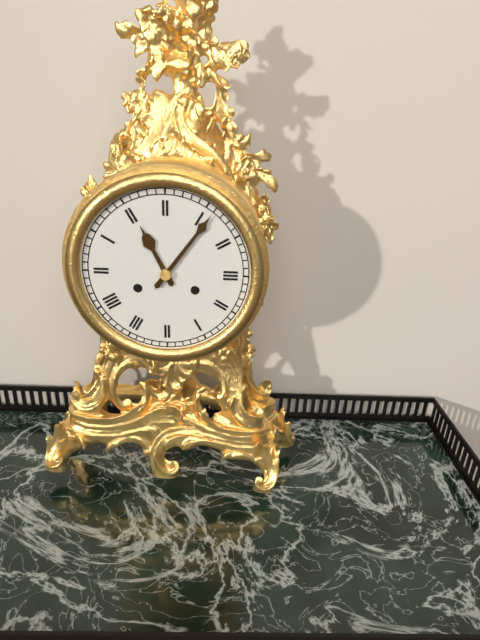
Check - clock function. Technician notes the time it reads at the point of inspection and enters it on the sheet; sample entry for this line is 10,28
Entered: 11,06
